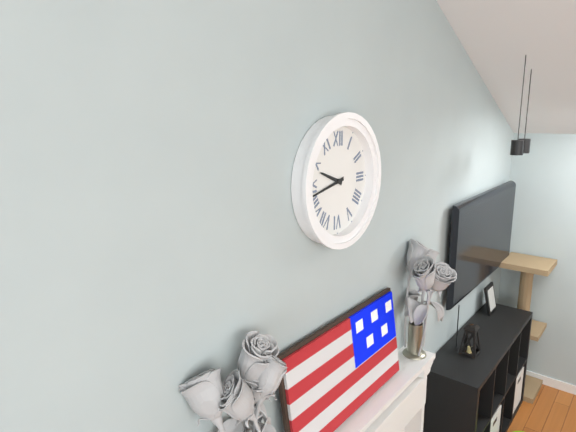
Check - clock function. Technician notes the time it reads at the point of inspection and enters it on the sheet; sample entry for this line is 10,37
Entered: 9,43
